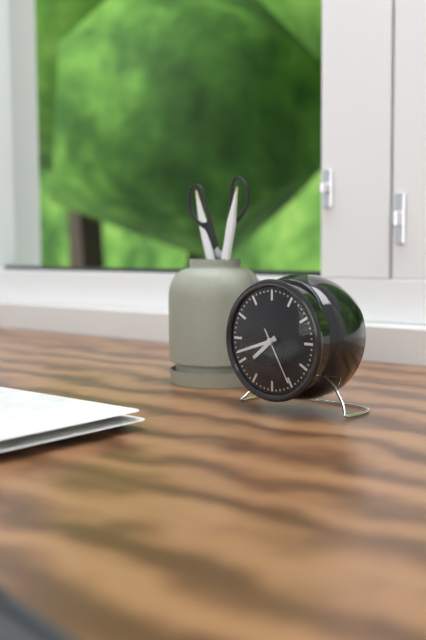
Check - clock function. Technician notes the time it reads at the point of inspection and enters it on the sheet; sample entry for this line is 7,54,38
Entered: 7,42,25
